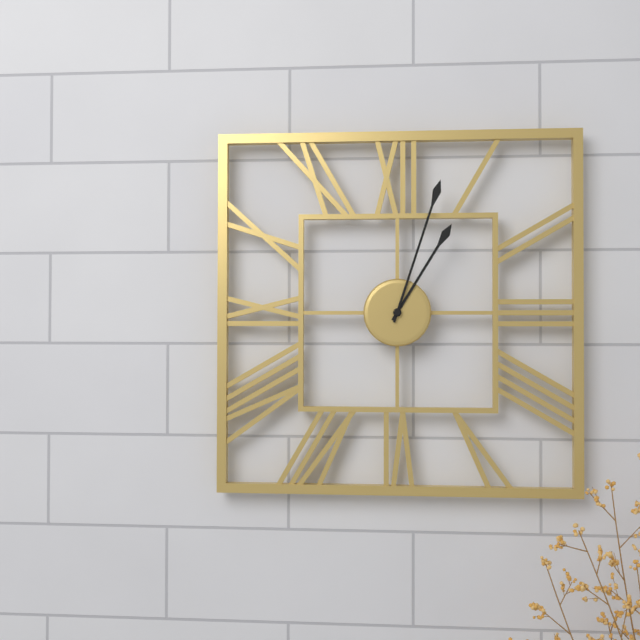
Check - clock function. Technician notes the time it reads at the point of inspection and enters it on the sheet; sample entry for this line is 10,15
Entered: 1,03
